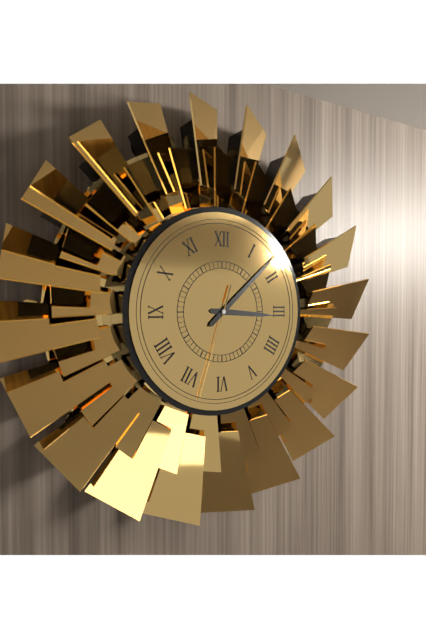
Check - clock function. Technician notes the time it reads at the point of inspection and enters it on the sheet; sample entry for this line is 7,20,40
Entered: 3,08,33
